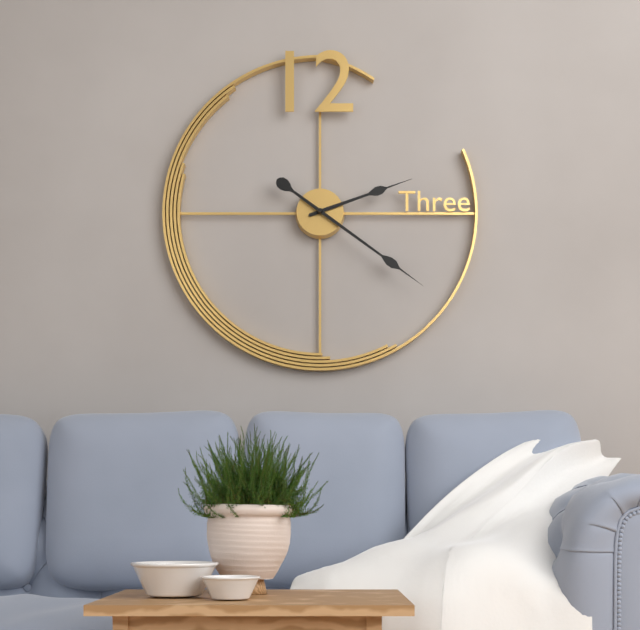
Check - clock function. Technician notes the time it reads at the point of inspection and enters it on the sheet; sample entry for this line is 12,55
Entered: 2,21
